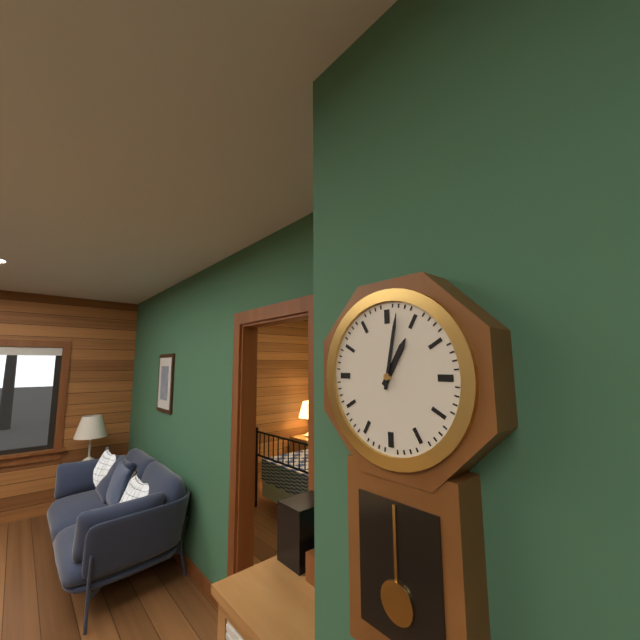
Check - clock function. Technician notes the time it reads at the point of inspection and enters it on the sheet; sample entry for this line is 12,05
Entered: 1,02
